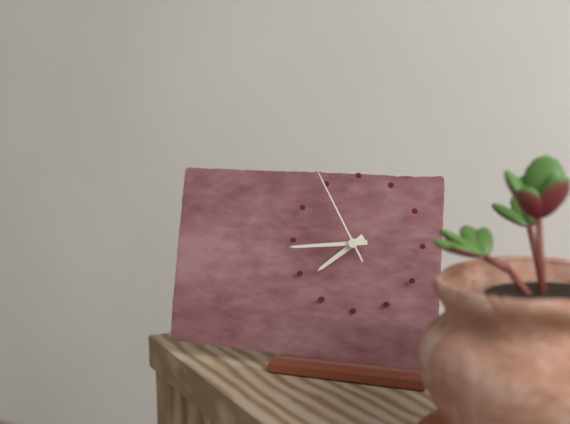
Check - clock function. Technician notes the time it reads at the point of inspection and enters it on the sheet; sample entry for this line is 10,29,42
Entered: 7,44,55
